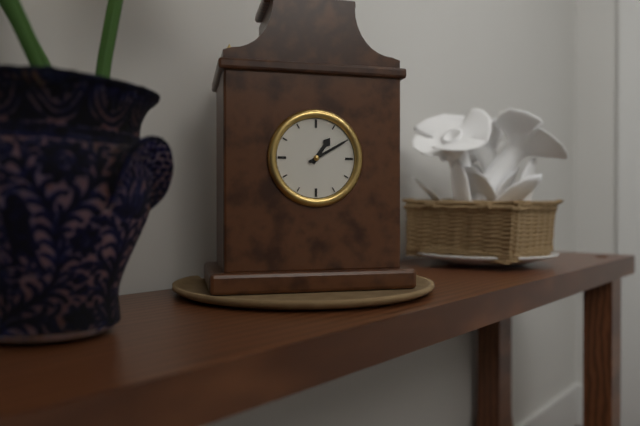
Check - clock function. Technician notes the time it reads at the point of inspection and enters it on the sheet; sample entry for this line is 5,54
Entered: 1,10
